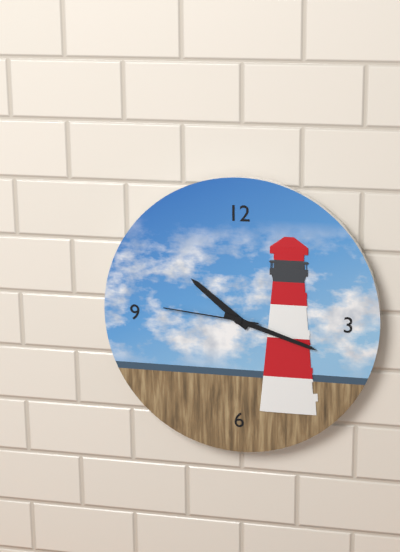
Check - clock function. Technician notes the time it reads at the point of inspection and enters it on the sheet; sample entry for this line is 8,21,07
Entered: 10,18,46
